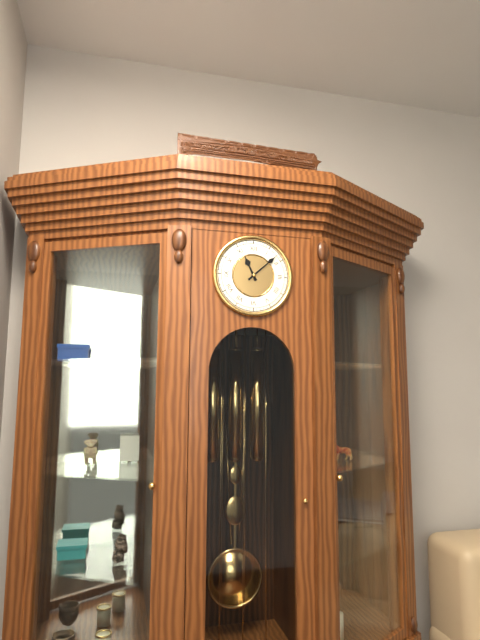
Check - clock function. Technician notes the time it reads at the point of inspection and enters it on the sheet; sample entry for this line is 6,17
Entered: 11,08
